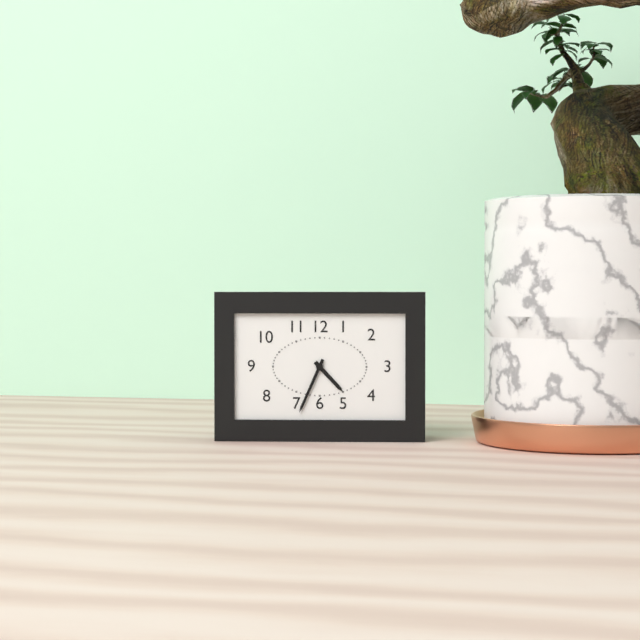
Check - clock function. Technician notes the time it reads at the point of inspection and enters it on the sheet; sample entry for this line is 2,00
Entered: 4,34
